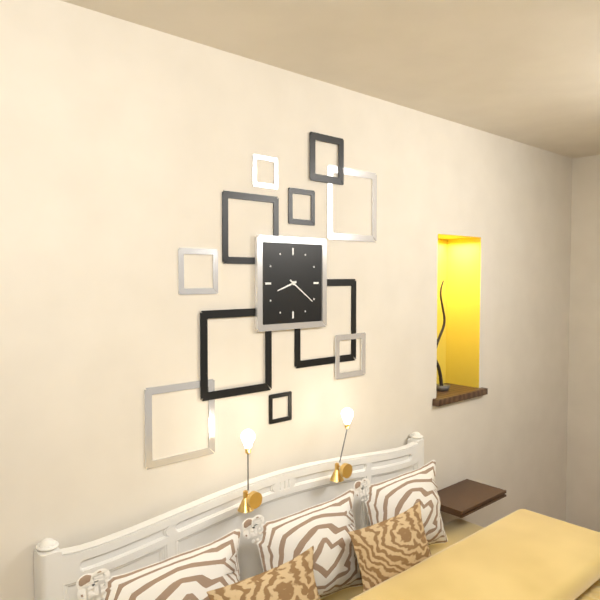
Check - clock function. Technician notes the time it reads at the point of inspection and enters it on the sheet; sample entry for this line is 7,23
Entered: 8,21
